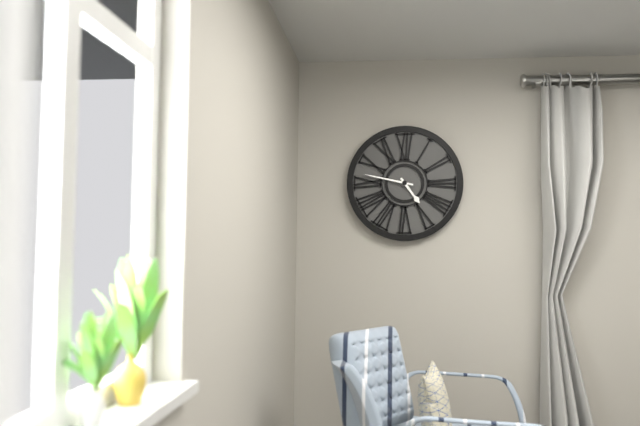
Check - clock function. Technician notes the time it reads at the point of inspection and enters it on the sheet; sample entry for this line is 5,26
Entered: 4,47
